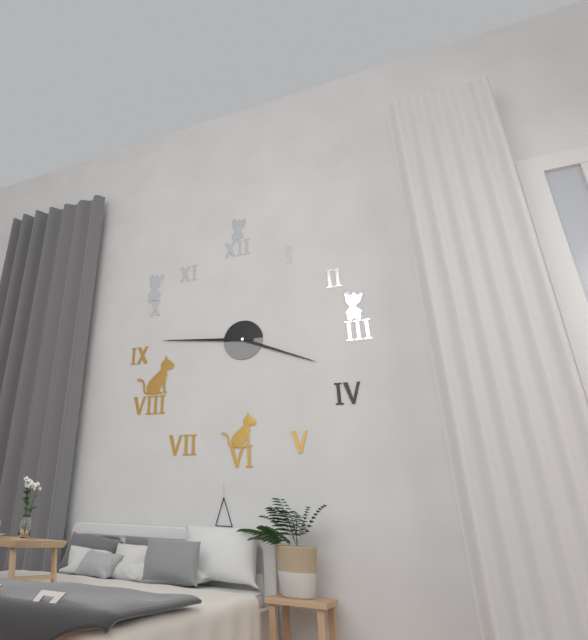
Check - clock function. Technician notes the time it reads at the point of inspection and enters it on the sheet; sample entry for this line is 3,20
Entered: 3,46
